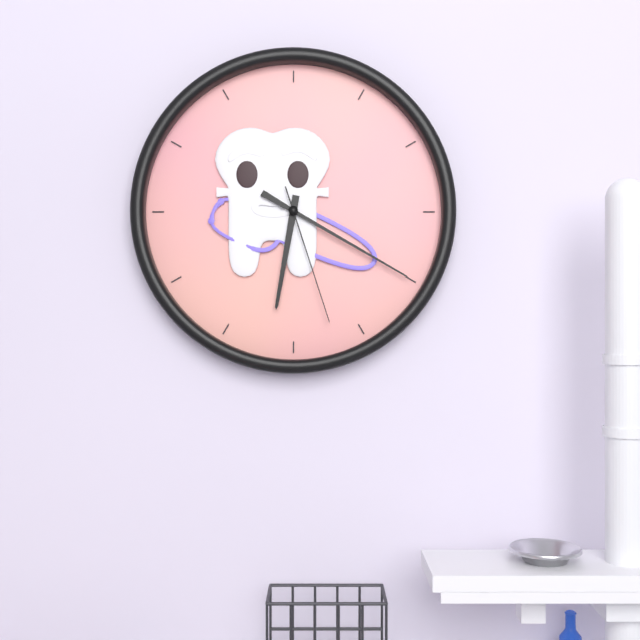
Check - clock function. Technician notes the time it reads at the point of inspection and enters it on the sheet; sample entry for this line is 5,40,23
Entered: 6,20,27
